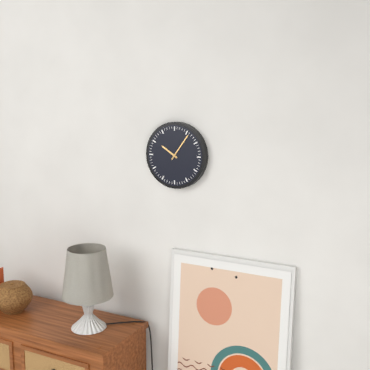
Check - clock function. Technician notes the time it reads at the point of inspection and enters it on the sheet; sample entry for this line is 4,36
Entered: 10,06
